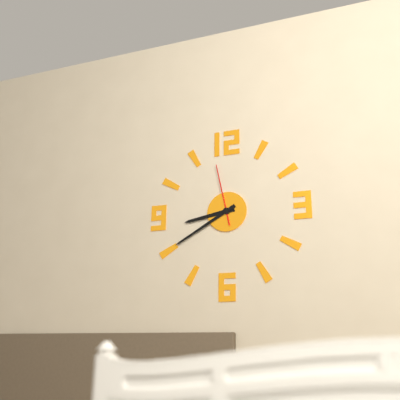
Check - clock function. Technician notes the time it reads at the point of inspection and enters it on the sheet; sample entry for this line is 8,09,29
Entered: 8,40,58
